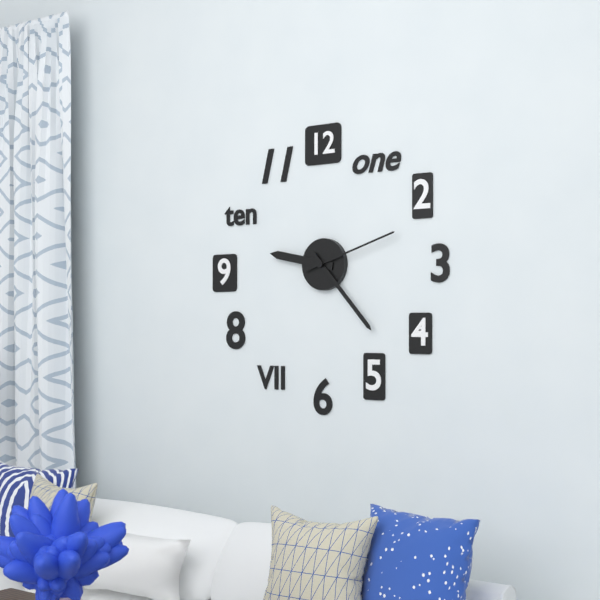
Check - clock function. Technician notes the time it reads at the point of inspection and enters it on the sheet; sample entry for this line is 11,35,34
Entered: 9,23,12
